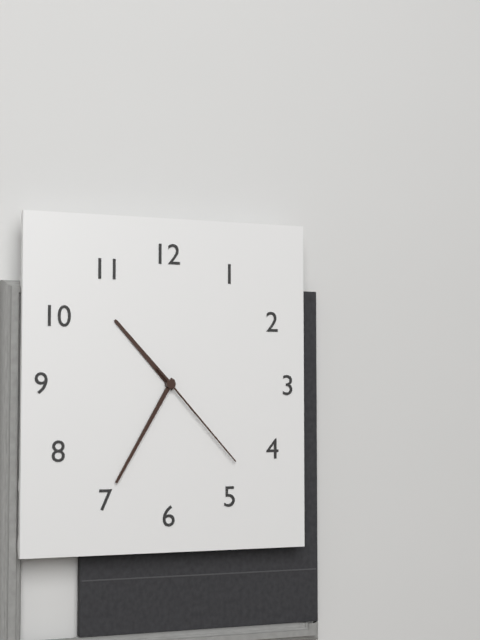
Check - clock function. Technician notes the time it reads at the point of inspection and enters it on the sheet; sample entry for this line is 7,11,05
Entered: 10,35,23
